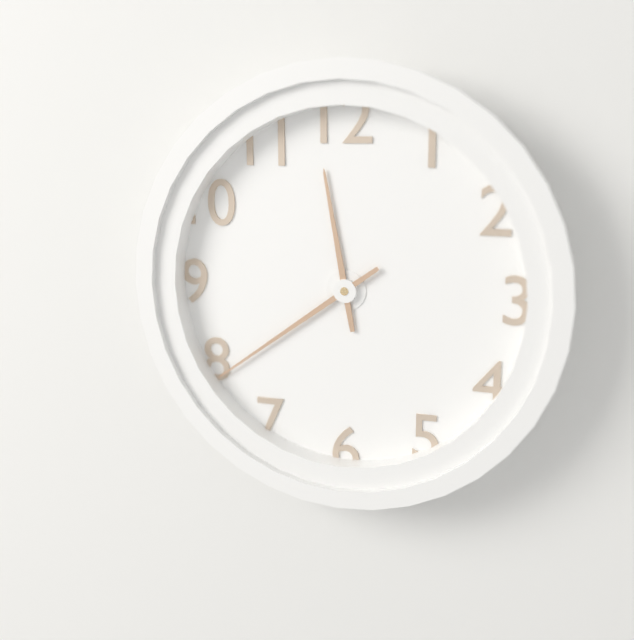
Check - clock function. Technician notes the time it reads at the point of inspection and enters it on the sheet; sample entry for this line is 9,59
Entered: 11,39
